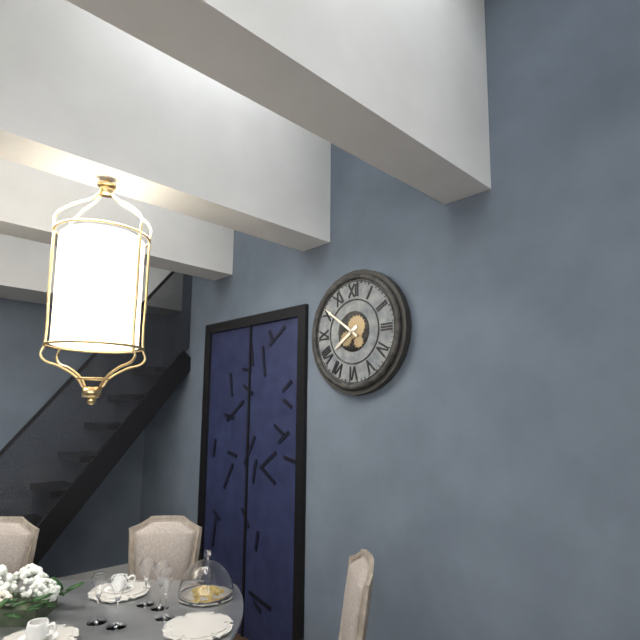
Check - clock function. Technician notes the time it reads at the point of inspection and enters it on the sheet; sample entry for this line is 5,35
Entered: 7,51
